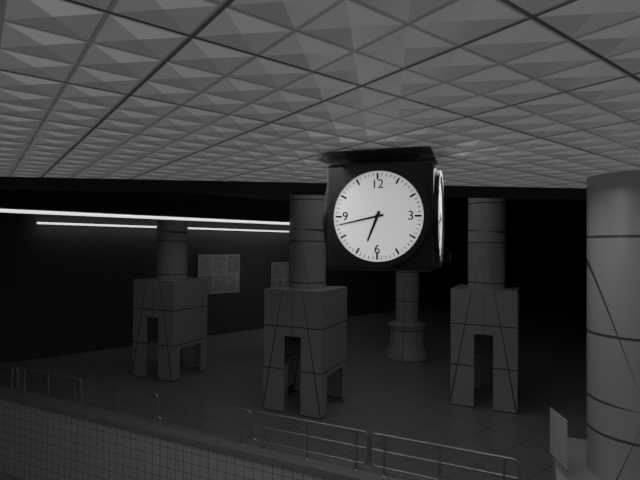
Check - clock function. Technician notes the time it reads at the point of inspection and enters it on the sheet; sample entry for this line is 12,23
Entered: 6,43
